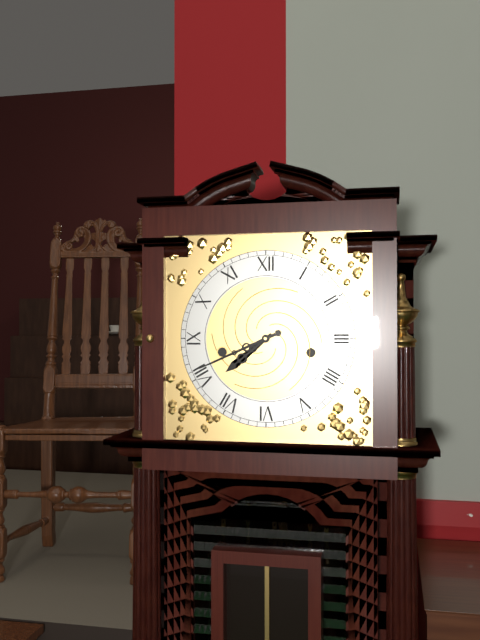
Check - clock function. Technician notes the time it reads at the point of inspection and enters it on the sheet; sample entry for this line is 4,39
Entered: 7,41
